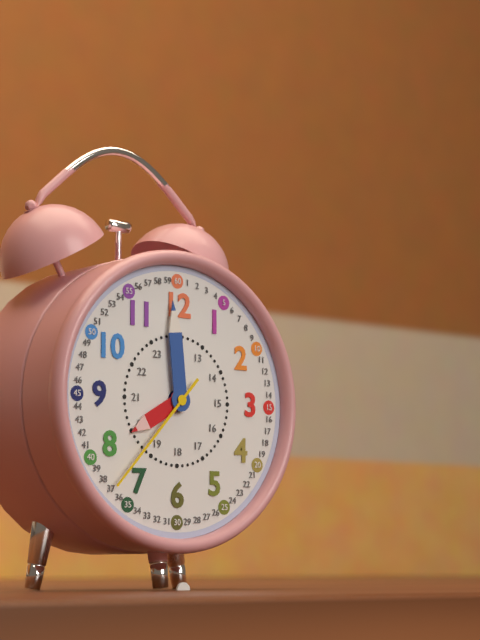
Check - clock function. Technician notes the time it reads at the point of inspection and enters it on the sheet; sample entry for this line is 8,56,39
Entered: 7,59,37
